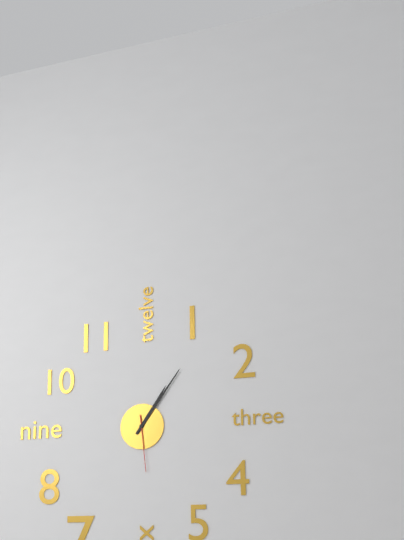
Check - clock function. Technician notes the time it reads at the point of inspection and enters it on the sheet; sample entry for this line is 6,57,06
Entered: 1,06,29
